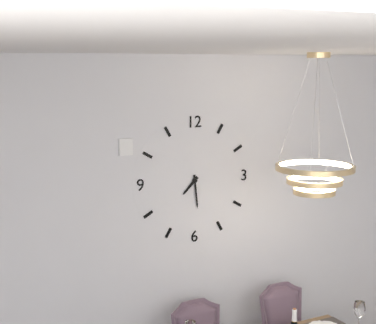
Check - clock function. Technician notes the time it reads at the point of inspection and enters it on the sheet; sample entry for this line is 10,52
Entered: 7,29
